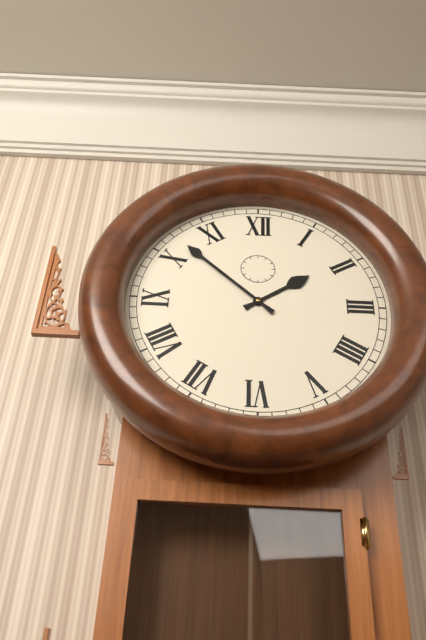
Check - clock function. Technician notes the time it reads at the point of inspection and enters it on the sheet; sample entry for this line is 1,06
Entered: 1,52
